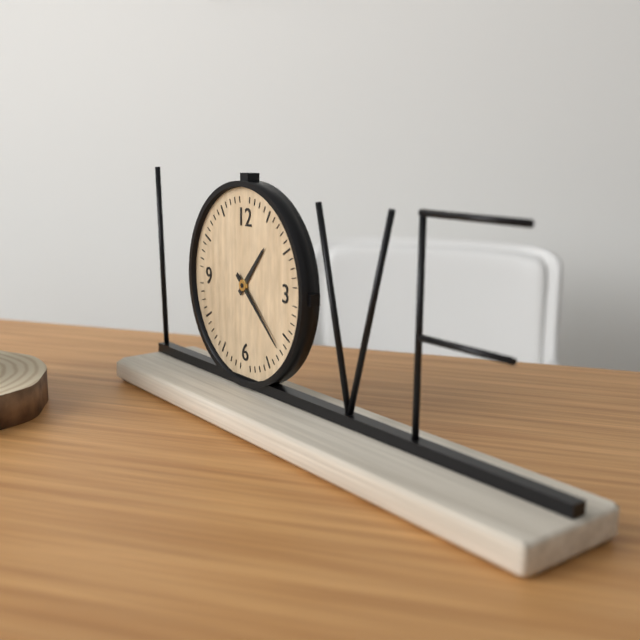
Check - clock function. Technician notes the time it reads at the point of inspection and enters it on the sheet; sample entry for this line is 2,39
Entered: 1,22
